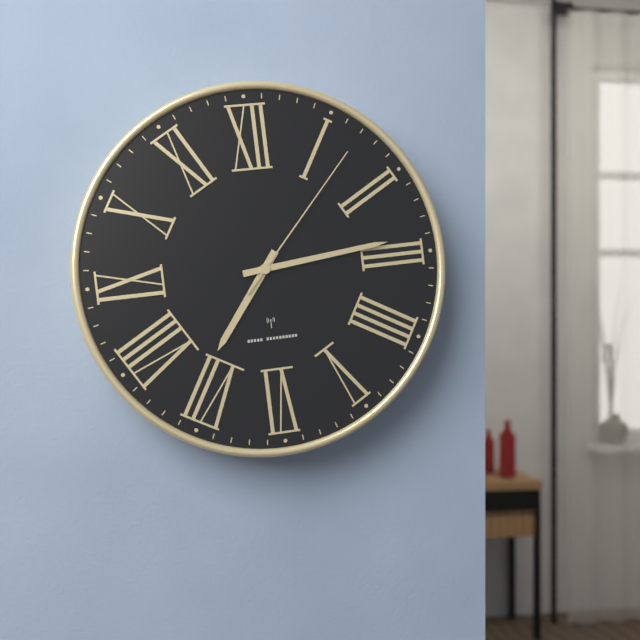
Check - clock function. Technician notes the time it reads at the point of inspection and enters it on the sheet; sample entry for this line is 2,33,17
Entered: 7,14,07
